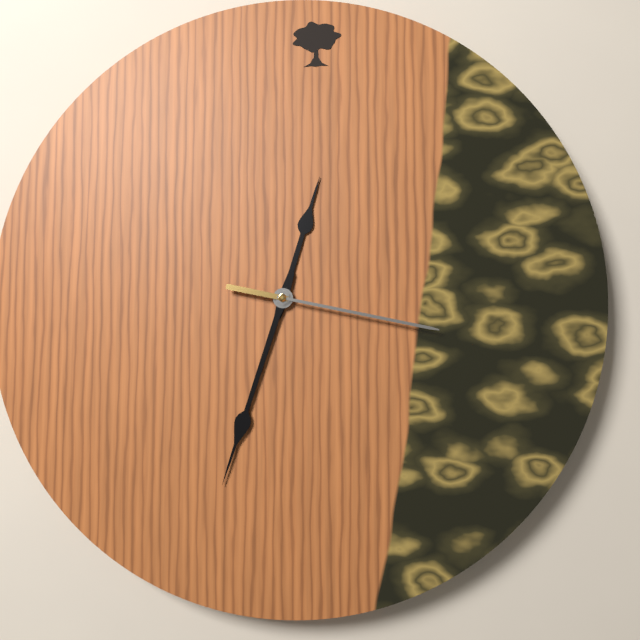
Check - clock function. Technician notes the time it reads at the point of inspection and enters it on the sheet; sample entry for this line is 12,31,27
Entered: 12,33,17
